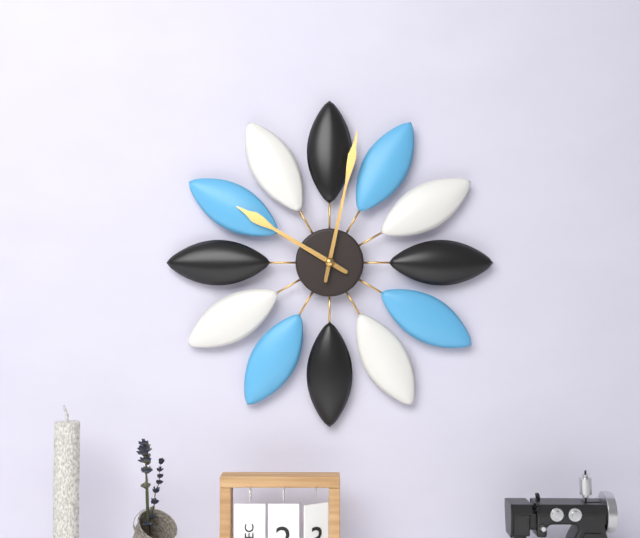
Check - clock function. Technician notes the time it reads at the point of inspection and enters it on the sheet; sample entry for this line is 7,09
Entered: 10,02
